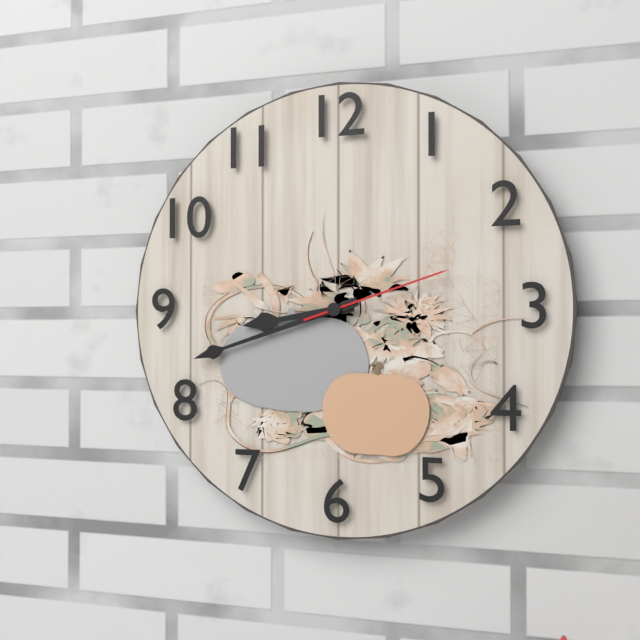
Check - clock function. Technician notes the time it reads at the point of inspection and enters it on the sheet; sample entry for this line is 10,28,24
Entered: 8,42,12
